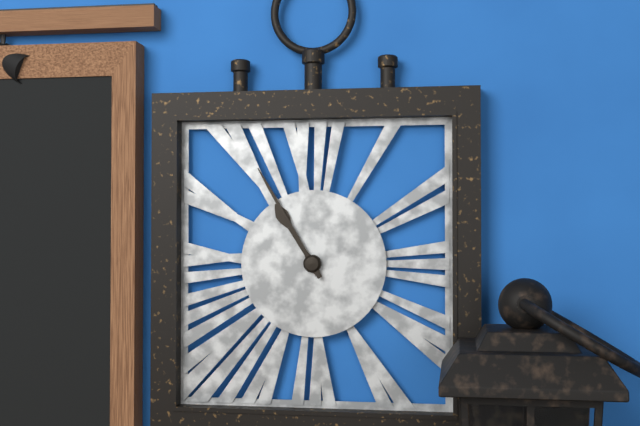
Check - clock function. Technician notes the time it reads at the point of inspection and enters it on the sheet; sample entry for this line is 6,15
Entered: 10,55
